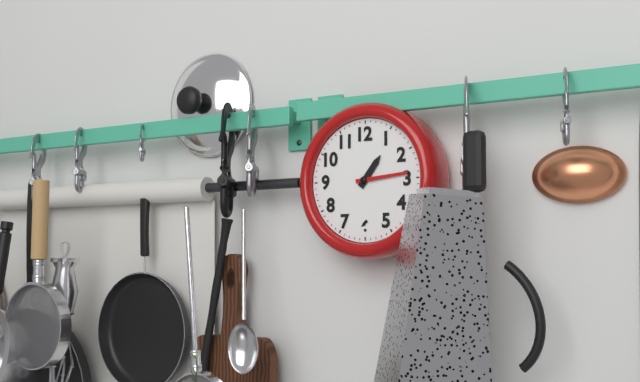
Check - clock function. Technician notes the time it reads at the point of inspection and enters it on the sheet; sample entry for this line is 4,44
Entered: 1,14
